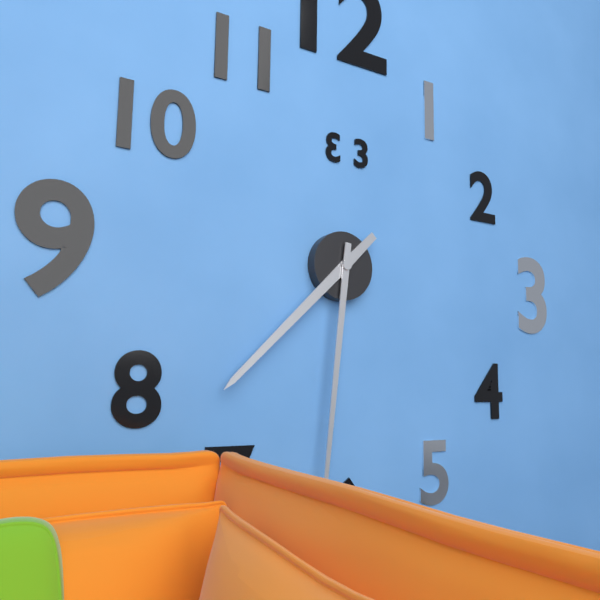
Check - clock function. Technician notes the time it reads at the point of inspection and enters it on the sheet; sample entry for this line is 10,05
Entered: 7,31
